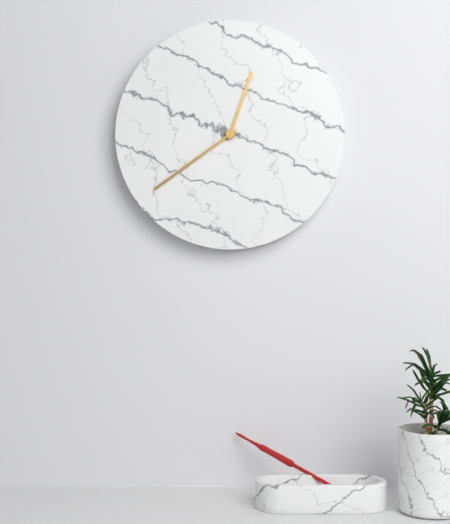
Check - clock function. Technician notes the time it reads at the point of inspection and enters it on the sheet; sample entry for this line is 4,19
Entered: 12,39
